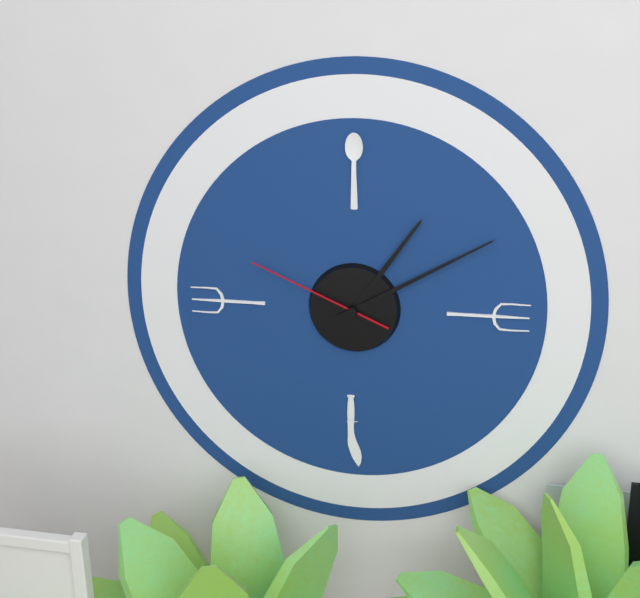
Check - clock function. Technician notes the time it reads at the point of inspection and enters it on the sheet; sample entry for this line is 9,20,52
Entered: 1,10,49
